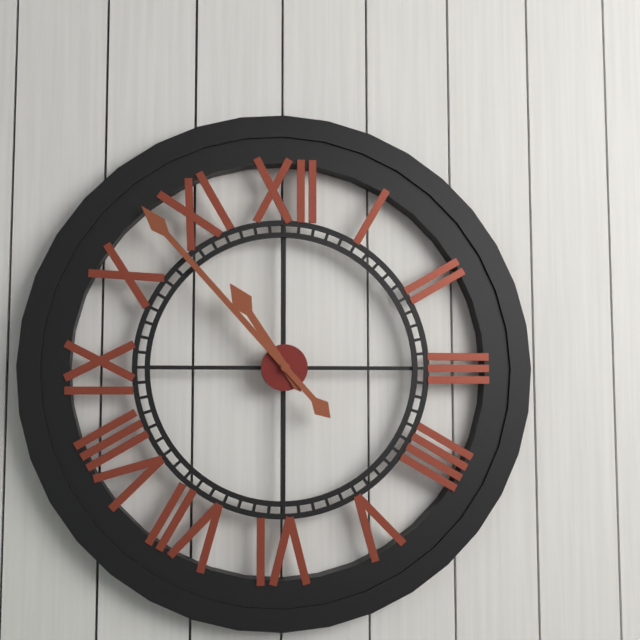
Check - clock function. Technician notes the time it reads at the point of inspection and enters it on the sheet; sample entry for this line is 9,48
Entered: 10,53
